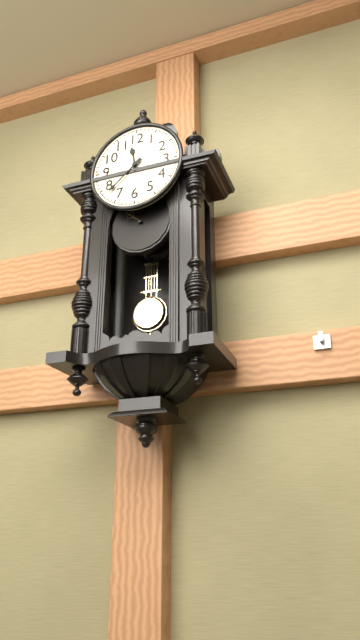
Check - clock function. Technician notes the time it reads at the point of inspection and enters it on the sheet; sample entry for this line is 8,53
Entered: 11,38
